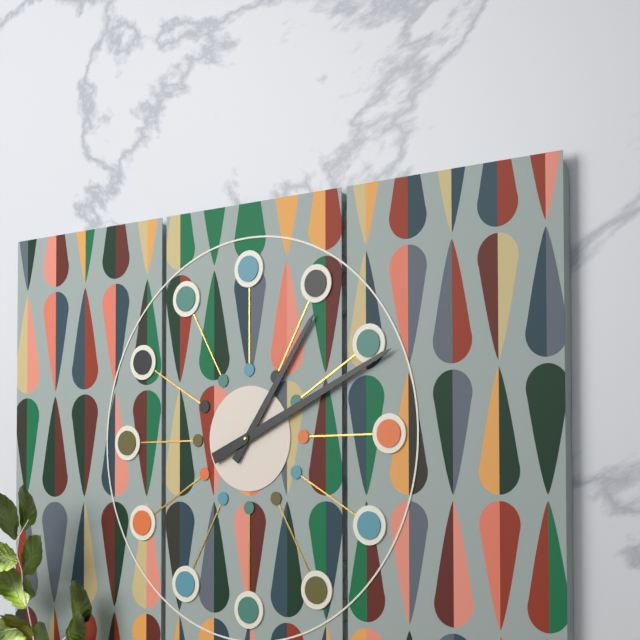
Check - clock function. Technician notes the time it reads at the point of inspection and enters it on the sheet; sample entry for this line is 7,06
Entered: 1,11
